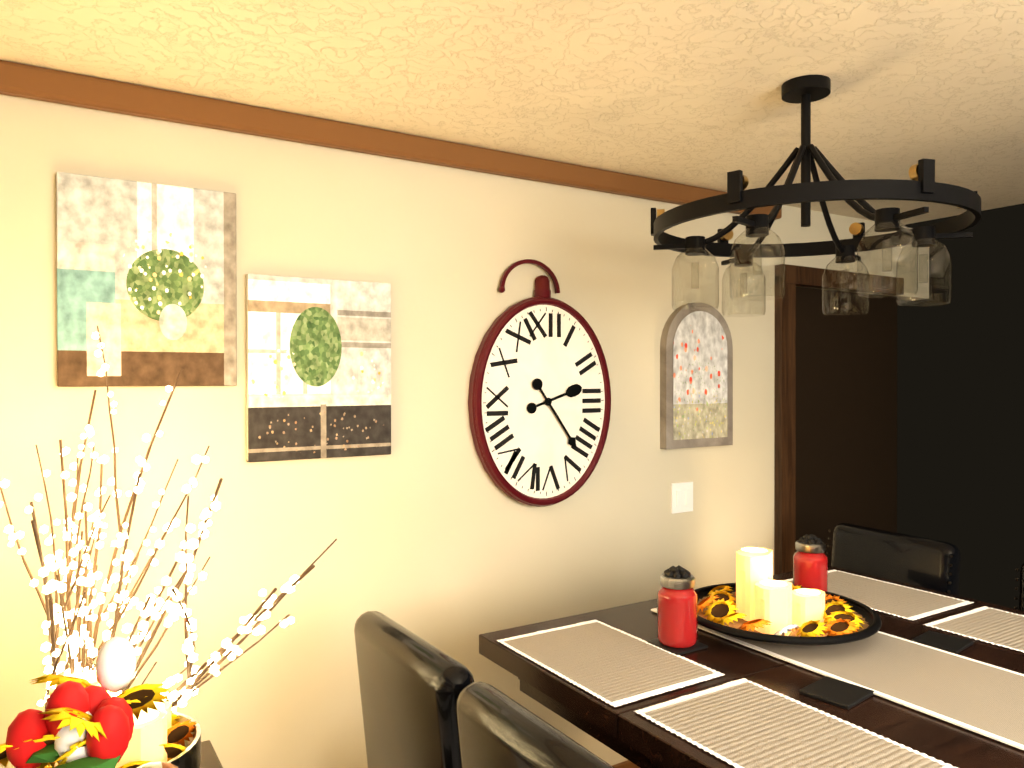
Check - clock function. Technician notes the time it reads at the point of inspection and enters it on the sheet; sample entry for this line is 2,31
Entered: 2,24
